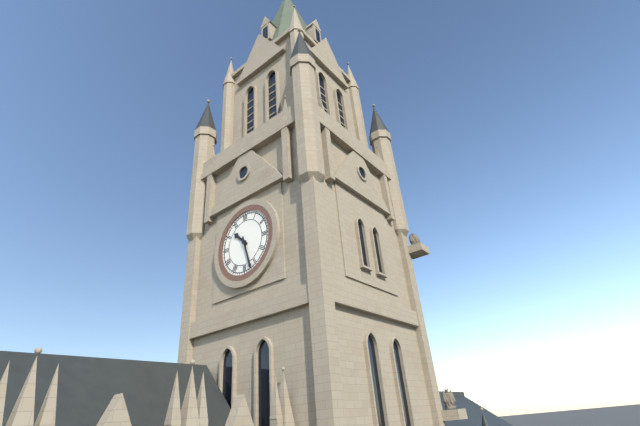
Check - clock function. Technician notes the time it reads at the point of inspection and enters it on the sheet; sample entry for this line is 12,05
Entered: 10,27
